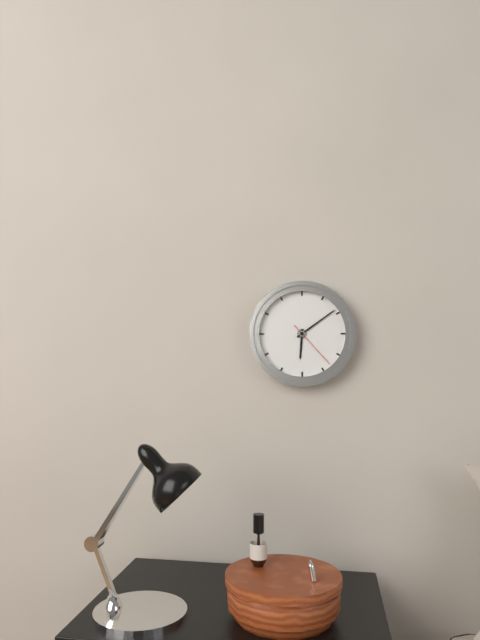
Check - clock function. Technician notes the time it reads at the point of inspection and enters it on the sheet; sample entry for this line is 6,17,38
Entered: 6,09,23
